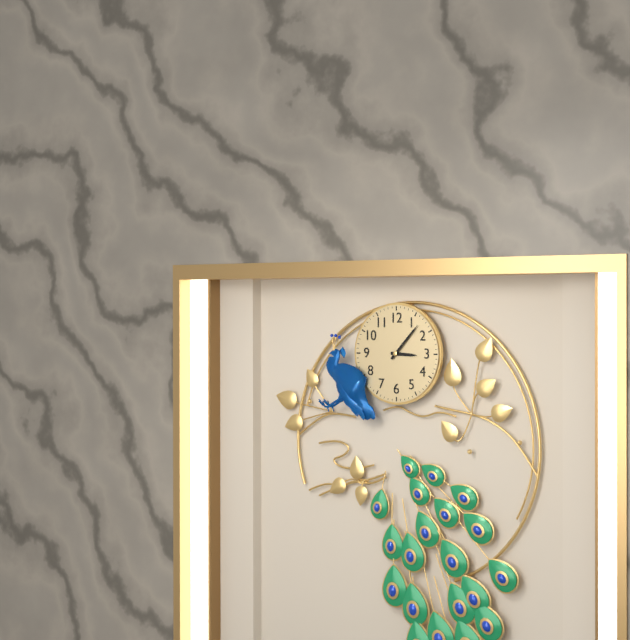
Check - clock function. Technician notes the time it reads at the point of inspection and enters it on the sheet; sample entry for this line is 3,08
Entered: 3,07
